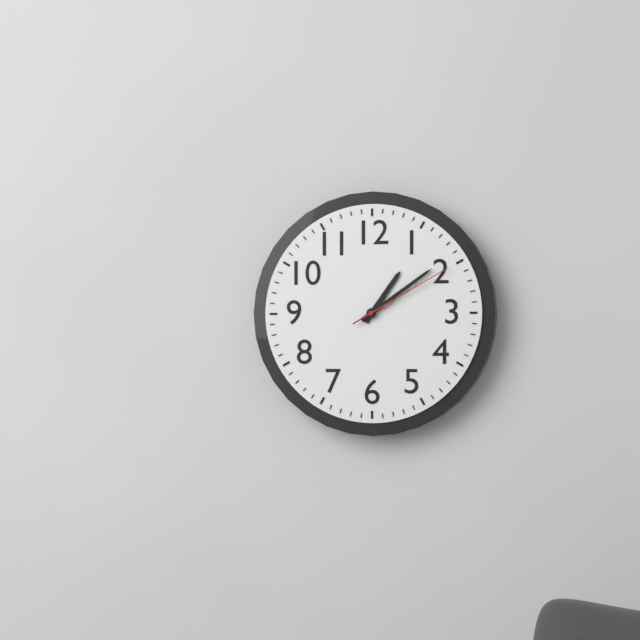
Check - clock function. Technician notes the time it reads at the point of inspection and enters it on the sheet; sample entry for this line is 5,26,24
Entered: 1,09,10
